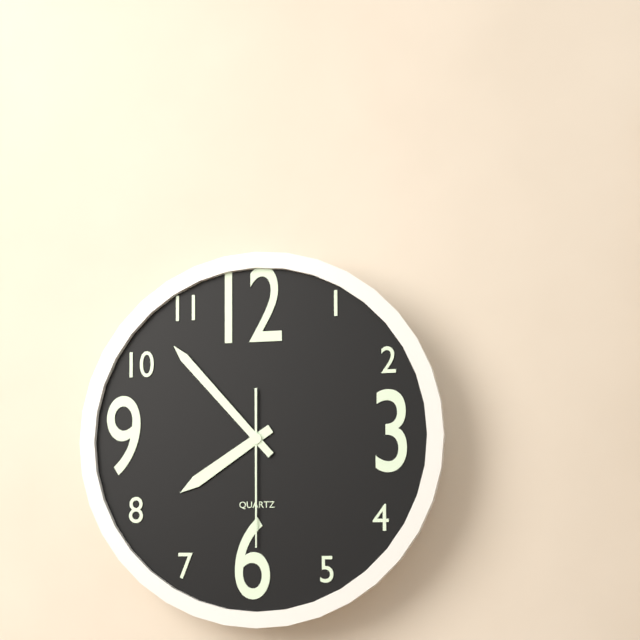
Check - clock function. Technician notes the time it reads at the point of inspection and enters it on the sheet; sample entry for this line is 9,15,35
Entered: 7,53,30
